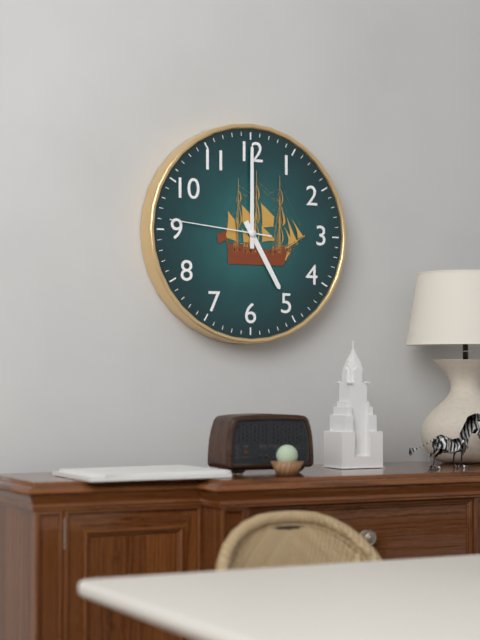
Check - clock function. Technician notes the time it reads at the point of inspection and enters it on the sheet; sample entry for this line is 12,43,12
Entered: 5,00,46
